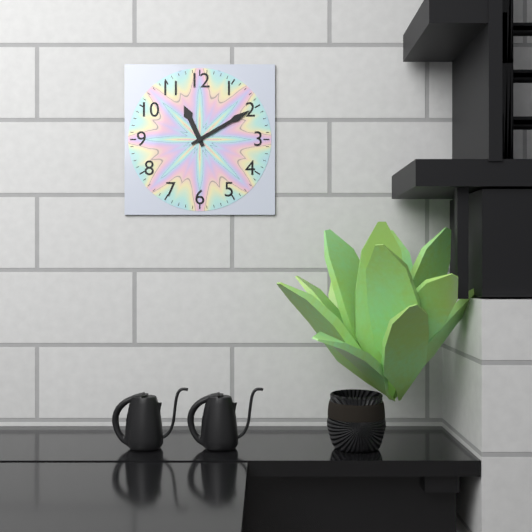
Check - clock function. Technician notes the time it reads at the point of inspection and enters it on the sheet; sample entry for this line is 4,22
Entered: 11,10
